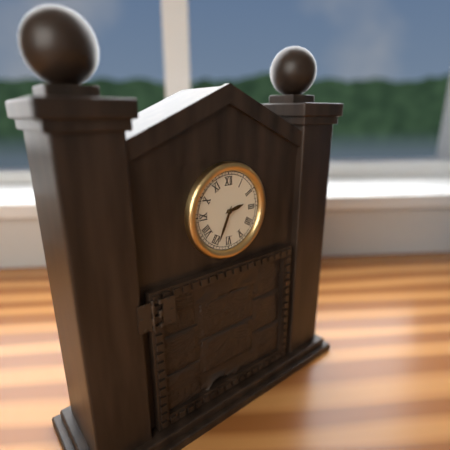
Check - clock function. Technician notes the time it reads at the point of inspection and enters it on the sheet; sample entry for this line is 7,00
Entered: 2,34
